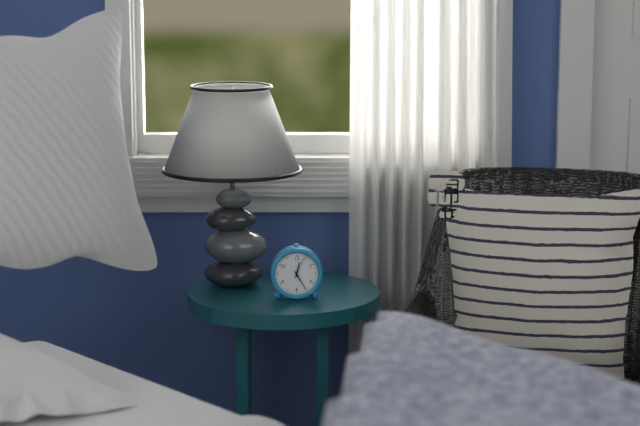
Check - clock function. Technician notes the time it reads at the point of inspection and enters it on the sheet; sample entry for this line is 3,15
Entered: 12,25
